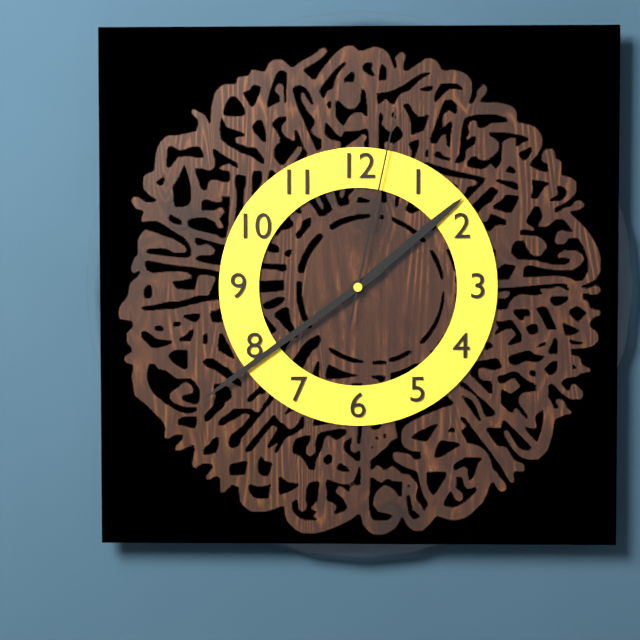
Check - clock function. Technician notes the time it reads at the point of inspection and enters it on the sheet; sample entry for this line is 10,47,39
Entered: 1,39,02
